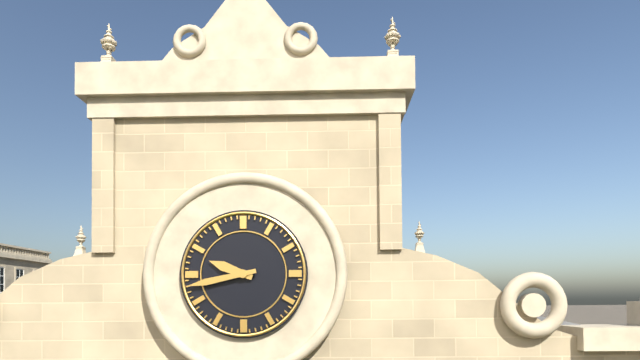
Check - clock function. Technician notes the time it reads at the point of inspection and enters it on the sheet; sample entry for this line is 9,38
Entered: 9,43
